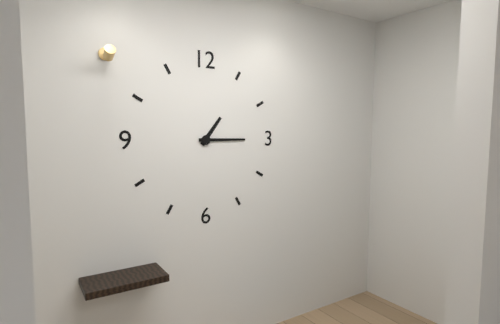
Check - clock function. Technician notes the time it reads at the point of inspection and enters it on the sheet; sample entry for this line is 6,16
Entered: 1,15
